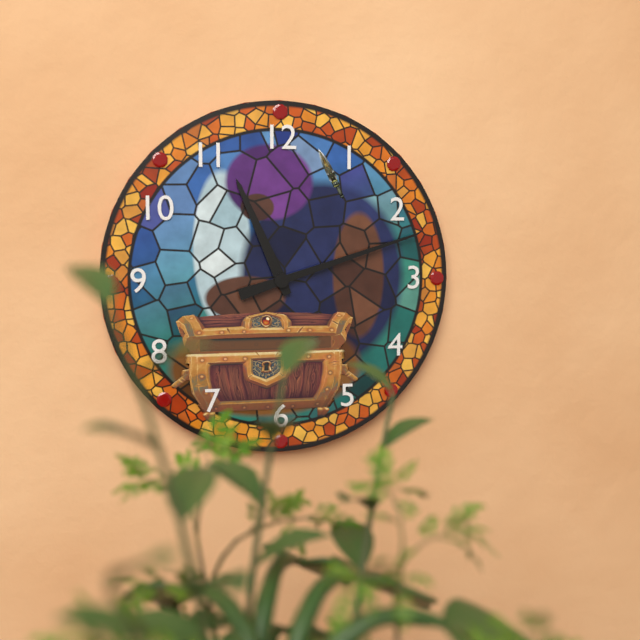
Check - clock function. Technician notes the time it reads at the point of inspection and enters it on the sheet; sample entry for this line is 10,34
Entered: 11,12
